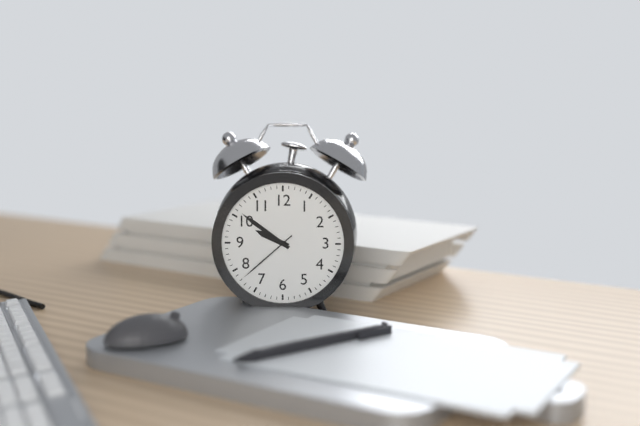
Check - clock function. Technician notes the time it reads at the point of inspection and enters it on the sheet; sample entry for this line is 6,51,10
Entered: 9,51,38
